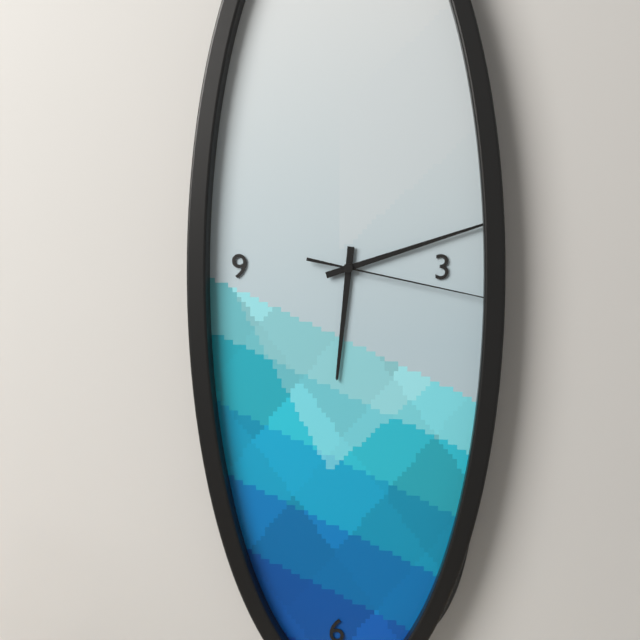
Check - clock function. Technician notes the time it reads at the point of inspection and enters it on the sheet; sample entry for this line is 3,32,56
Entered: 6,12,17
